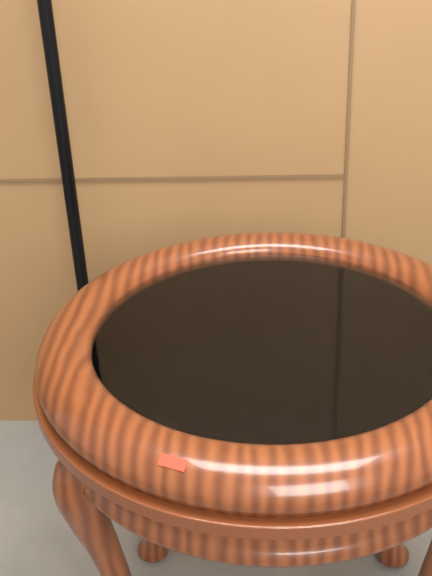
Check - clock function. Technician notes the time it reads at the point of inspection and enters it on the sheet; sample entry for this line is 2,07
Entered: 6,19
